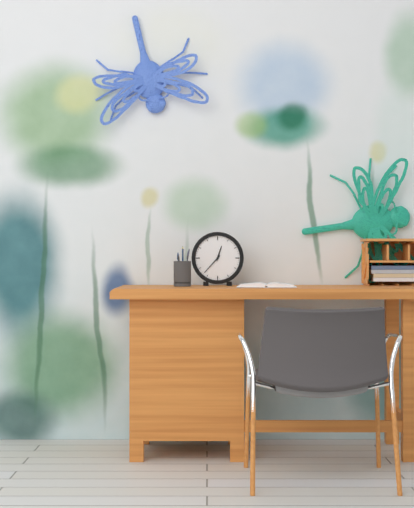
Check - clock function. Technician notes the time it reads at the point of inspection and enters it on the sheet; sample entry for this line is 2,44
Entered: 12,37
